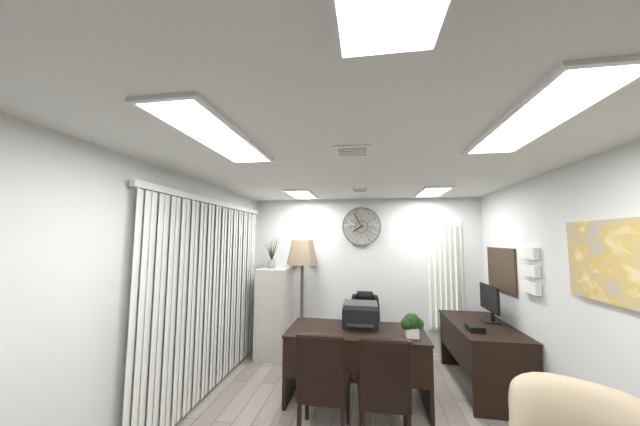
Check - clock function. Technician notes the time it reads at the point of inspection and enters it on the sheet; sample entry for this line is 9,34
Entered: 7,55
